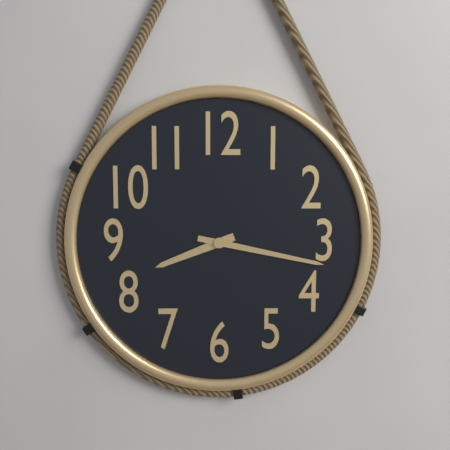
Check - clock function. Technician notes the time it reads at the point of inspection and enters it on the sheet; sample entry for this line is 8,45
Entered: 8,17
